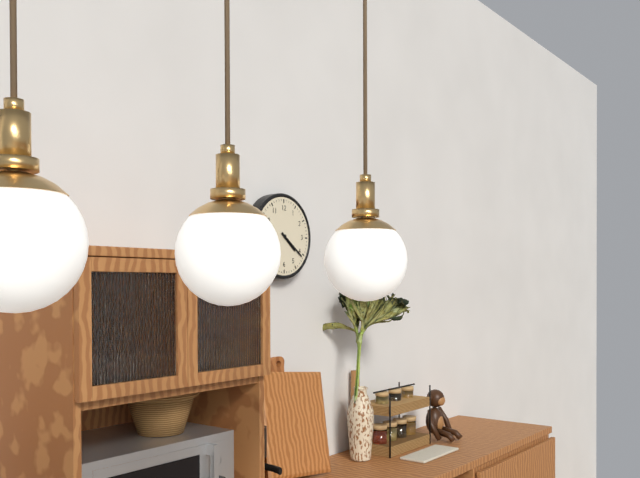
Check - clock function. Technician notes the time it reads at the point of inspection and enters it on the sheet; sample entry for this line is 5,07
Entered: 4,21
